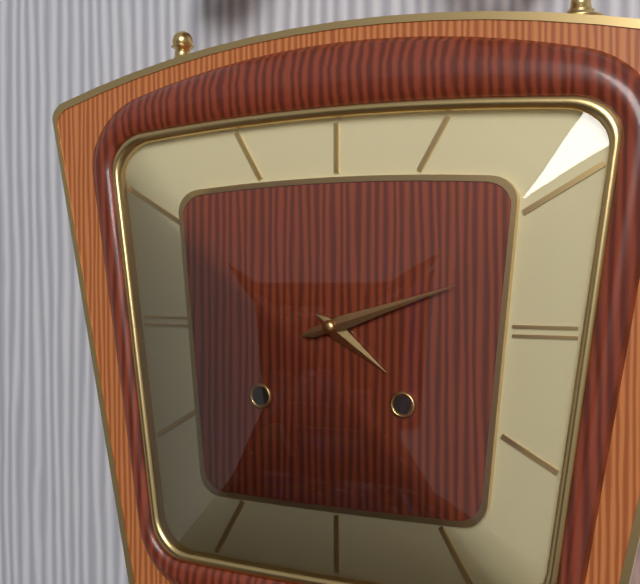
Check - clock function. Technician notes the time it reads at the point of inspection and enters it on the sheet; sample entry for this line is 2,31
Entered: 4,12
